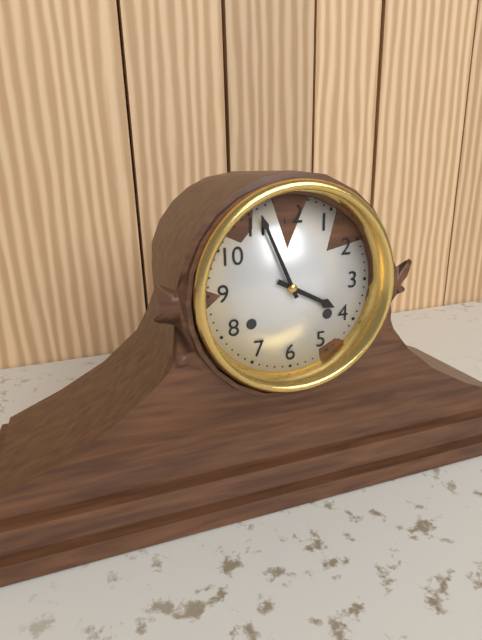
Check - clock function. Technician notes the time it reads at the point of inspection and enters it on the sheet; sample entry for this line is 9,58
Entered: 3,56
